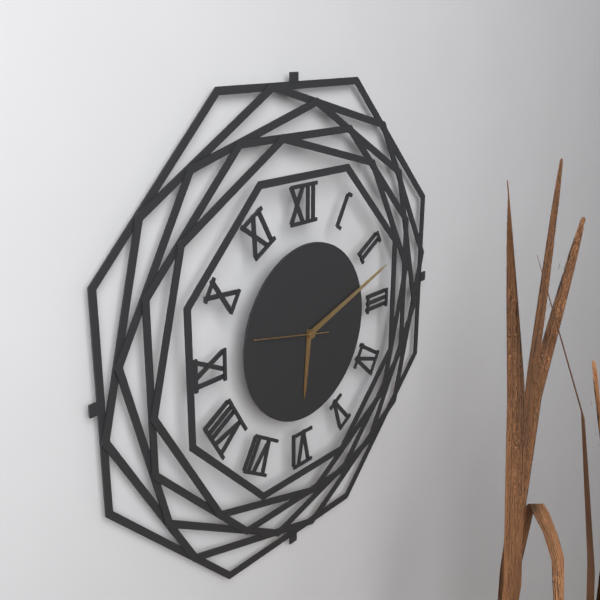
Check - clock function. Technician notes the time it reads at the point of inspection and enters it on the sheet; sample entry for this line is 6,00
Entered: 6,12
